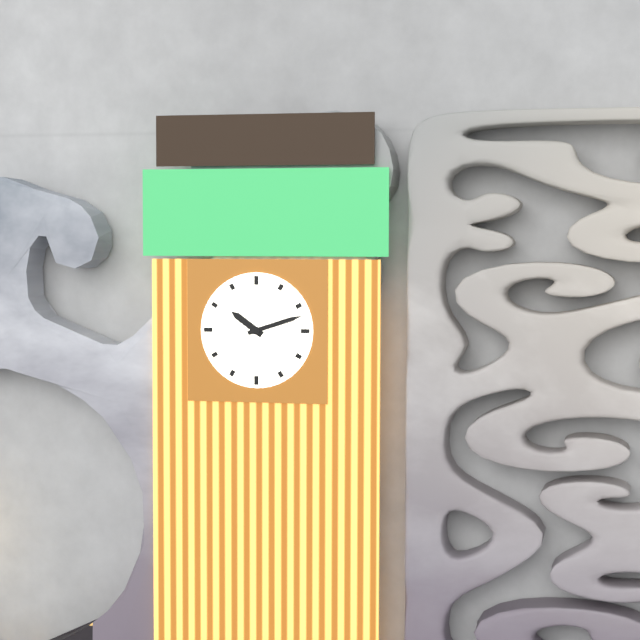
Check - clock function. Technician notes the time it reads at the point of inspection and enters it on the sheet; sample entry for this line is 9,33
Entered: 10,12
